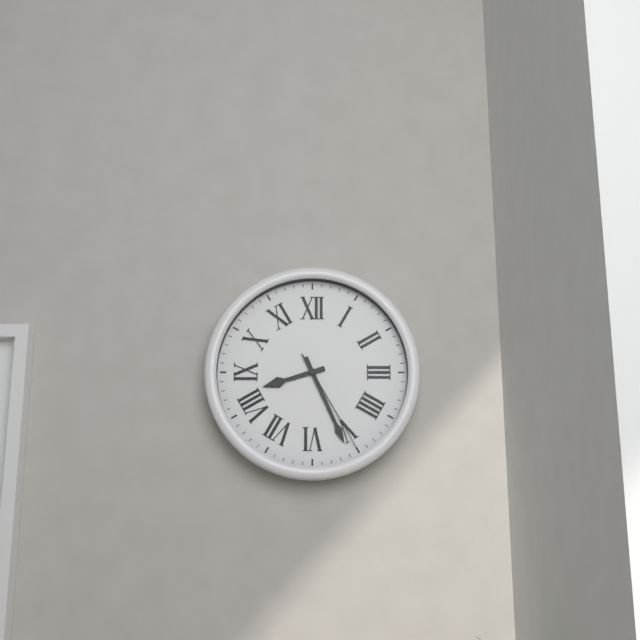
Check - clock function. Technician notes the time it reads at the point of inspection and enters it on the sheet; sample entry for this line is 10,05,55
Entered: 8,26,25
